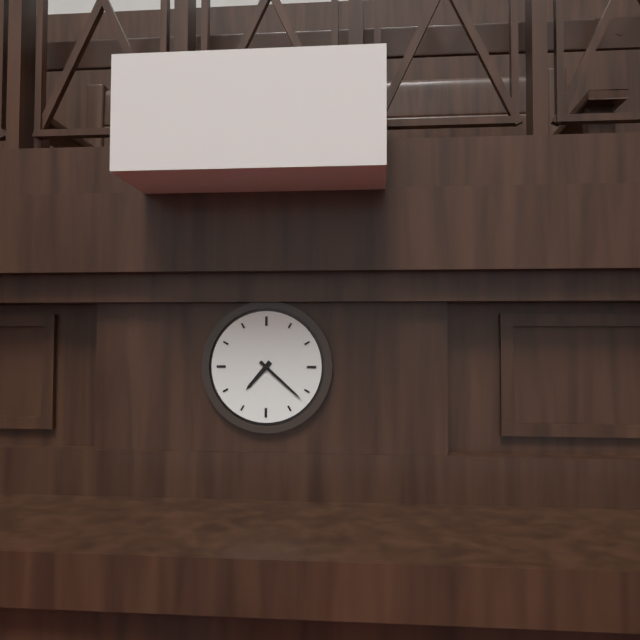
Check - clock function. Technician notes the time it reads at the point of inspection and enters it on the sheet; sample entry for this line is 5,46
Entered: 7,22
